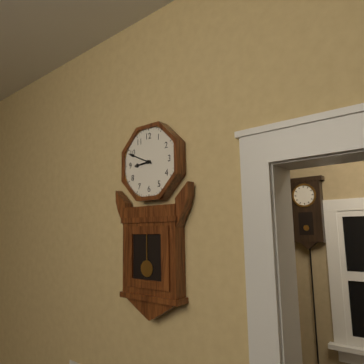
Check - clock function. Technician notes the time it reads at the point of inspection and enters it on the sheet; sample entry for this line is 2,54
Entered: 8,49
